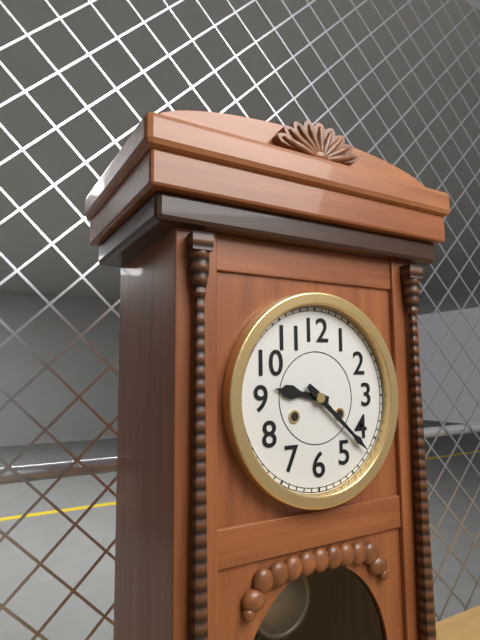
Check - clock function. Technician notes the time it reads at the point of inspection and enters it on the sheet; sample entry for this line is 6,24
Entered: 9,22
